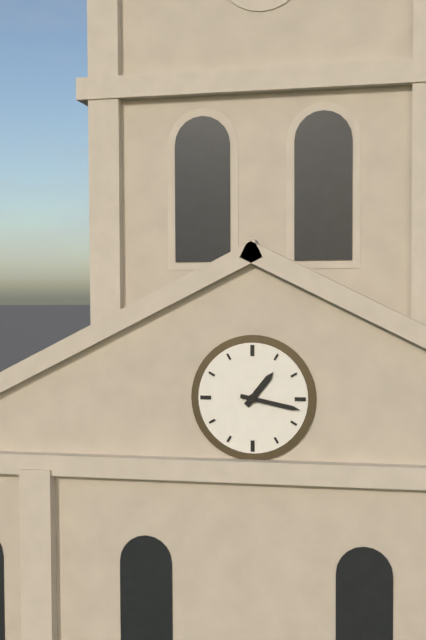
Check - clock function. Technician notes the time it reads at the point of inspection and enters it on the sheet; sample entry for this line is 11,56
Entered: 1,17
